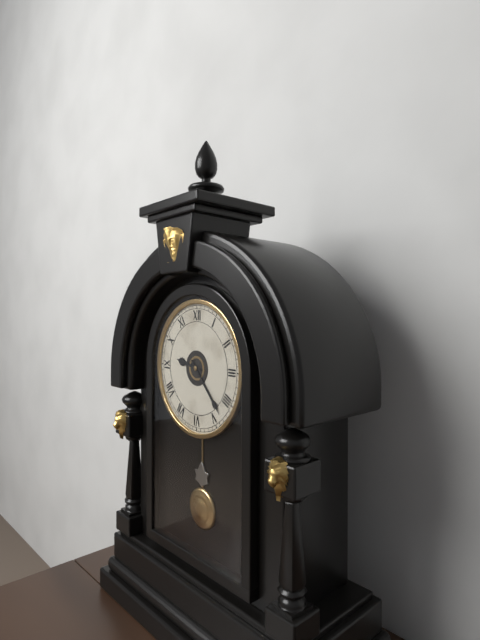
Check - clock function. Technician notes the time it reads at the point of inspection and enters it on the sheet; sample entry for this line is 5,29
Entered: 9,23
